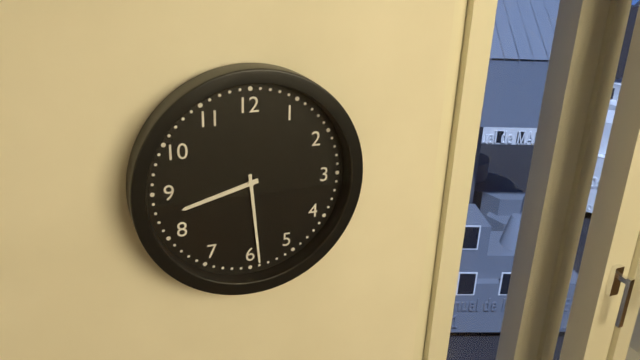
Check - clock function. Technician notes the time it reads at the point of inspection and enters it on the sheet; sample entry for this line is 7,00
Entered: 8,29
